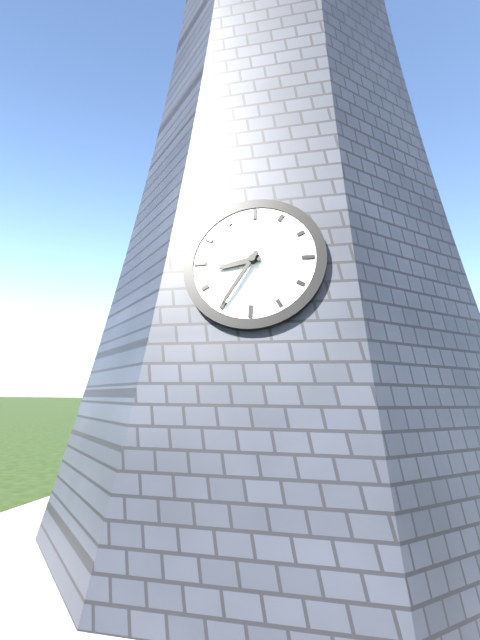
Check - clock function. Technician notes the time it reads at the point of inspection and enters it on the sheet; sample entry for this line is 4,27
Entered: 8,35
